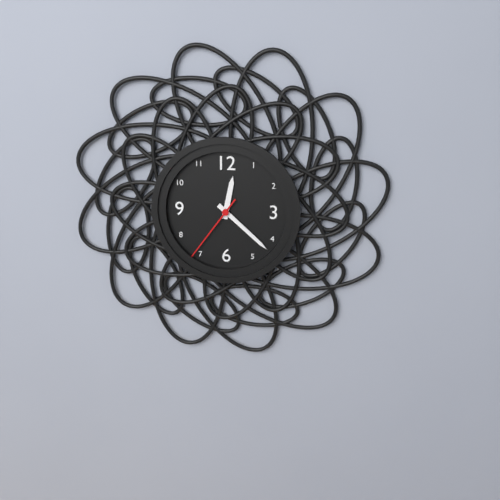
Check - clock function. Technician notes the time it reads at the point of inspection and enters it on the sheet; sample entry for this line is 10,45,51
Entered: 12,22,36
